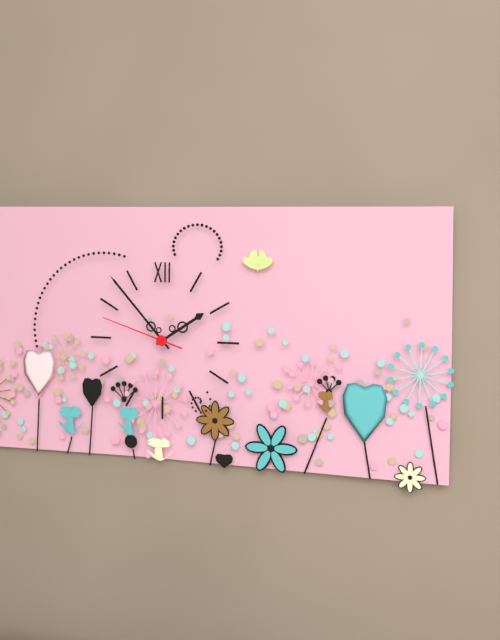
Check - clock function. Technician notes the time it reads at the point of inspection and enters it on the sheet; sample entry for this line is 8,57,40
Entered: 1,53,48
